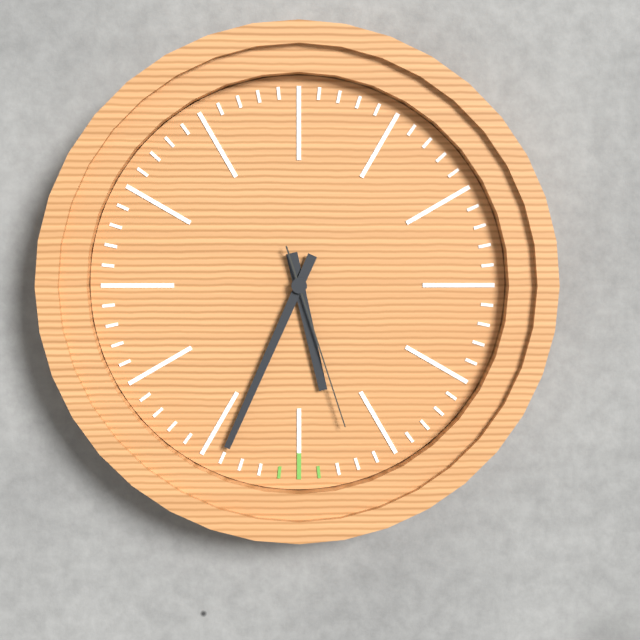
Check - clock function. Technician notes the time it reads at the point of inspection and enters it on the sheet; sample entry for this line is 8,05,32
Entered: 5,34,27
